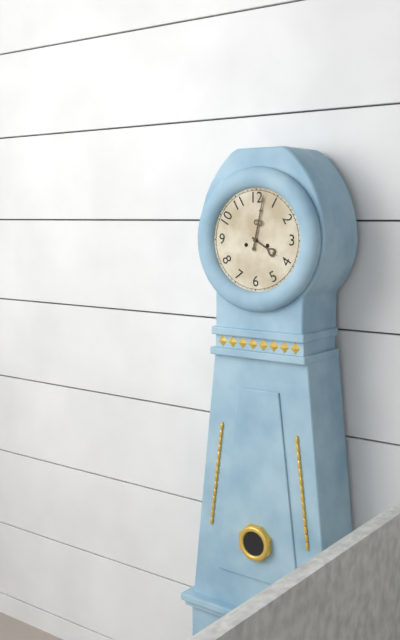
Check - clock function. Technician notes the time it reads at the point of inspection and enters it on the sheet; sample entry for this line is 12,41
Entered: 4,02
